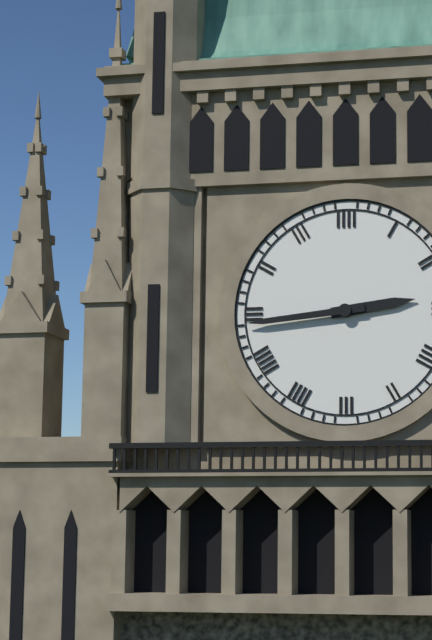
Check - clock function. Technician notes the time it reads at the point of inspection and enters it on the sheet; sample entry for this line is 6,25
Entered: 2,44
